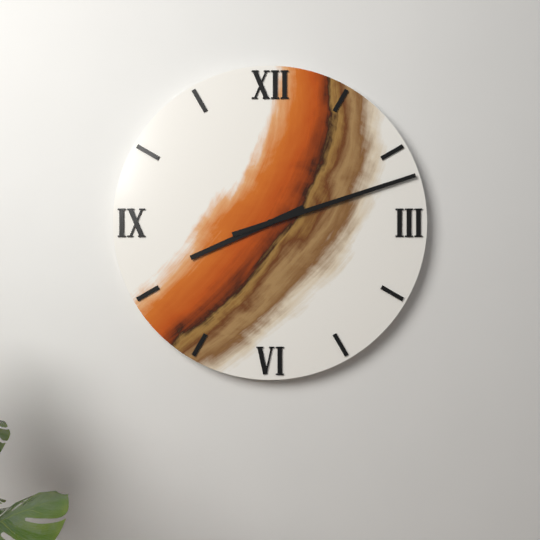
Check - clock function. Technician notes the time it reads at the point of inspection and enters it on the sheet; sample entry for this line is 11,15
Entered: 8,12
